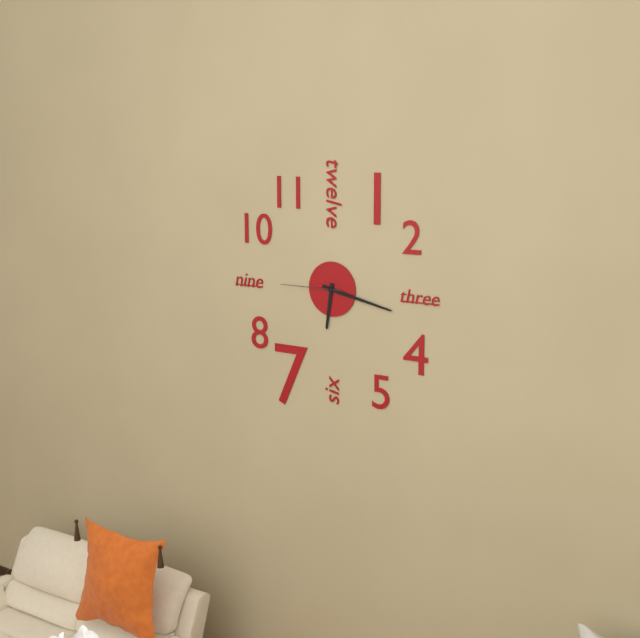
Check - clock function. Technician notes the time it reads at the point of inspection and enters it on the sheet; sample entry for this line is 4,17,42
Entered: 6,17,45
